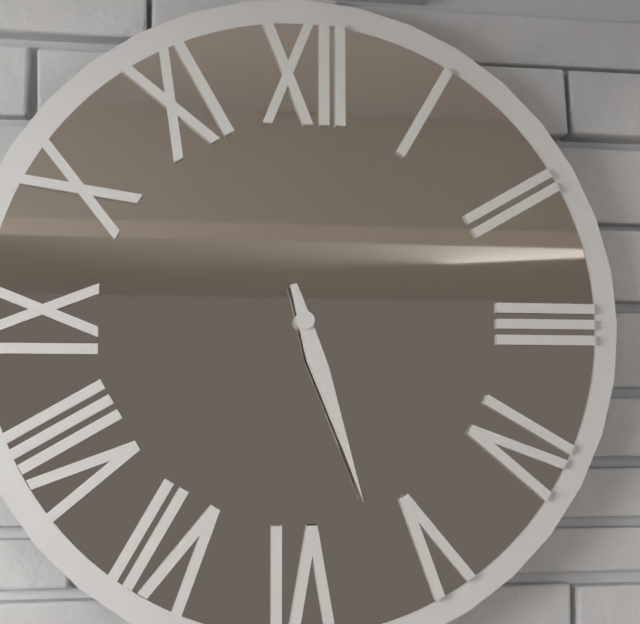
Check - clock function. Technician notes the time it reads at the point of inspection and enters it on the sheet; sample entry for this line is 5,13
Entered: 5,27
